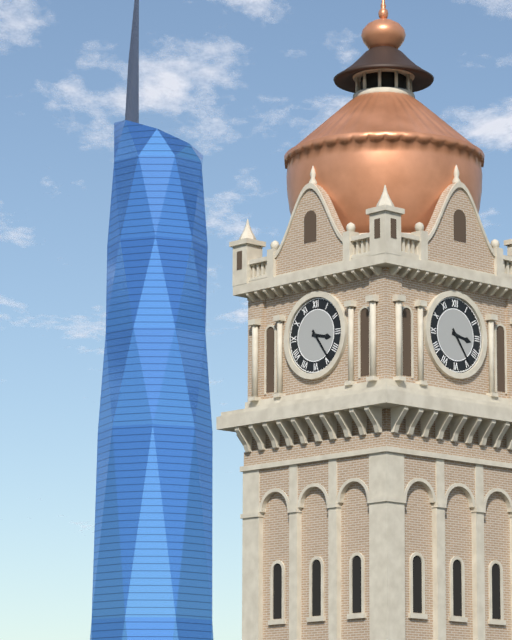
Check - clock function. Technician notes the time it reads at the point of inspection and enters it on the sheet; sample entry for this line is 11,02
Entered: 3,24
